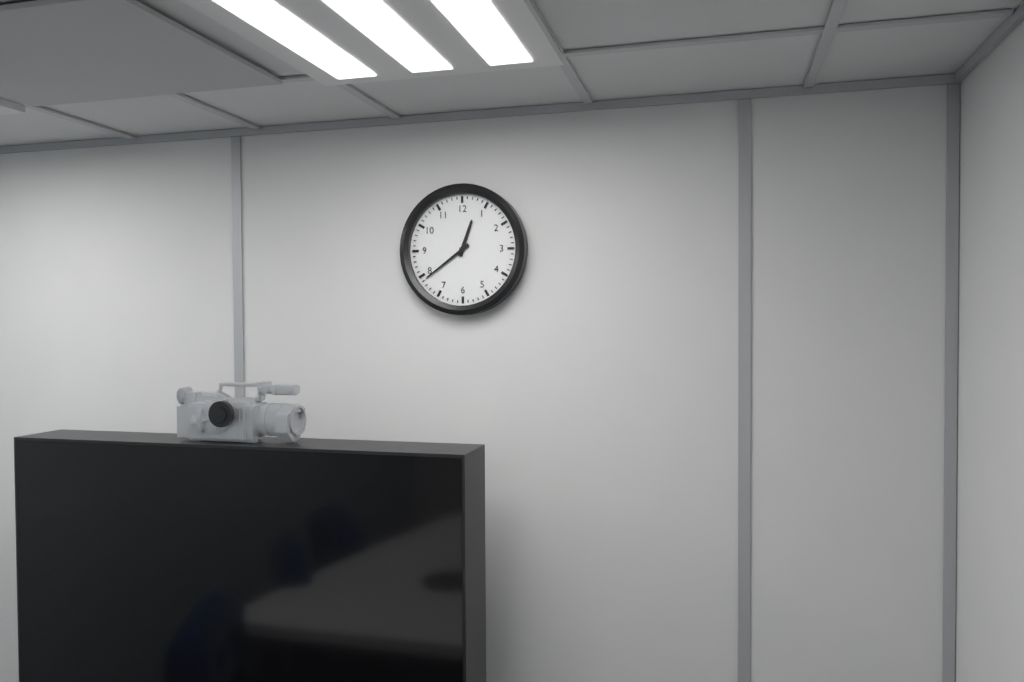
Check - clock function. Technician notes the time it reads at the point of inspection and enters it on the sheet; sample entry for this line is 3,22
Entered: 12,39
